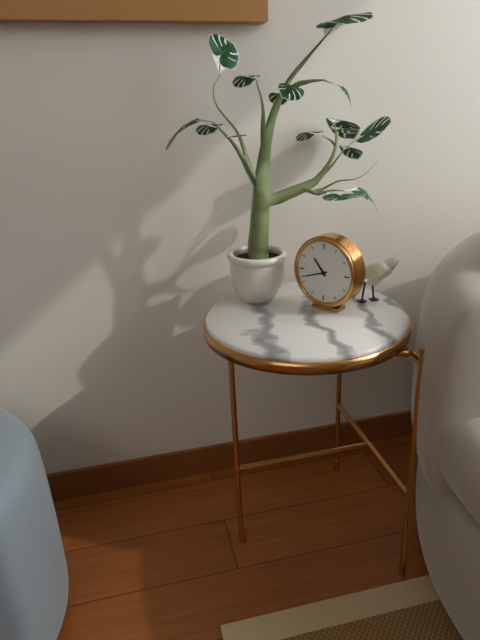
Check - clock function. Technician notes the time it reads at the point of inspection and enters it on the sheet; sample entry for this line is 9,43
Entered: 10,42
